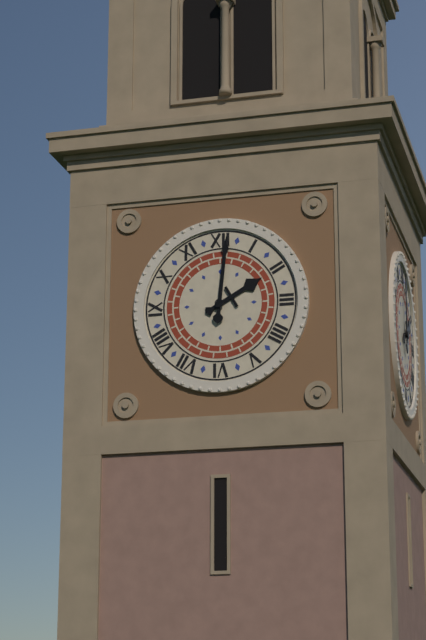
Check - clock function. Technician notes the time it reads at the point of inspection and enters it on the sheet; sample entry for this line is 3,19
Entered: 2,01
